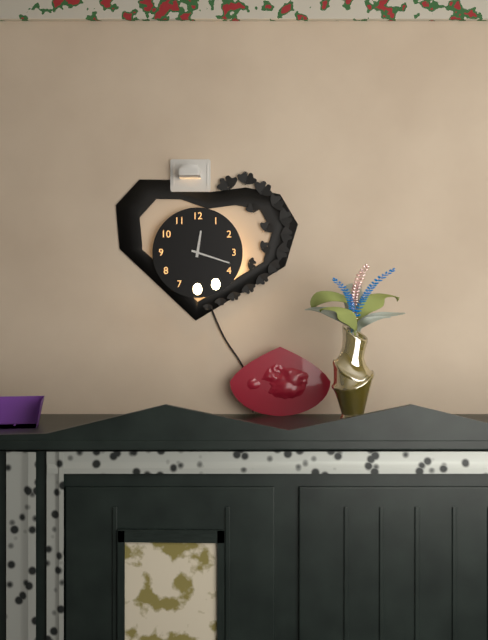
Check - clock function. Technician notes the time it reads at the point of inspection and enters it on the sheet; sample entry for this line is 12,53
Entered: 12,18
